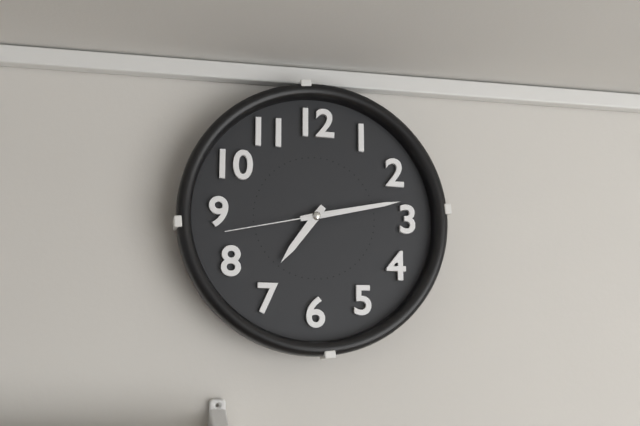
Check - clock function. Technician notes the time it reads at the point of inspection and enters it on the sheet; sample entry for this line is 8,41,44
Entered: 7,13,43
